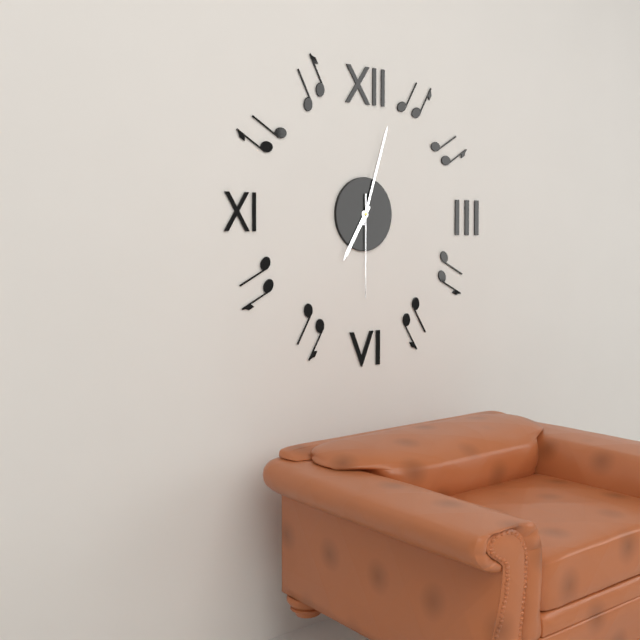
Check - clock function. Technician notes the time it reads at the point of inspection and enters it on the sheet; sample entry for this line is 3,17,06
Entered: 7,03,30
